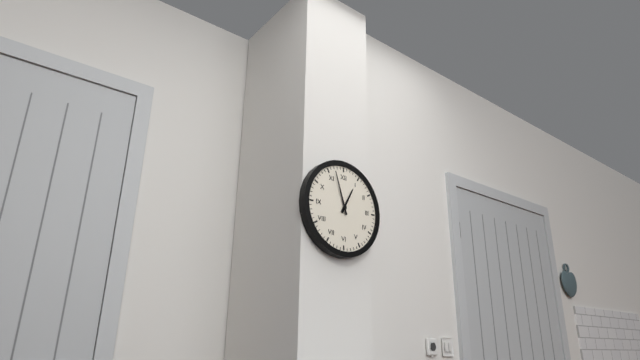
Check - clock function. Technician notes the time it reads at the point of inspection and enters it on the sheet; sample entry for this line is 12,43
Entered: 12,57
